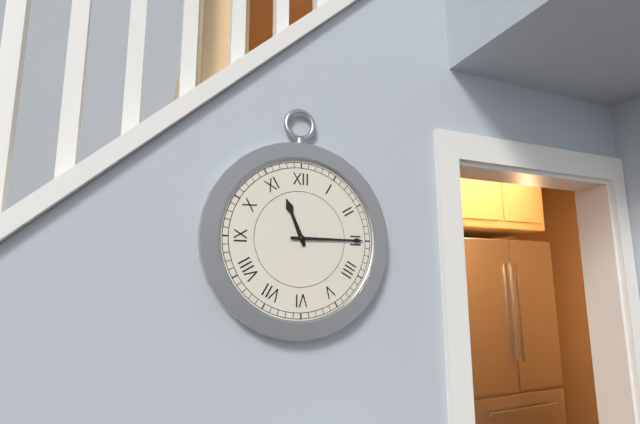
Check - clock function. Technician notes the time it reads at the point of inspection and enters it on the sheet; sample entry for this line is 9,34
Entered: 11,15
